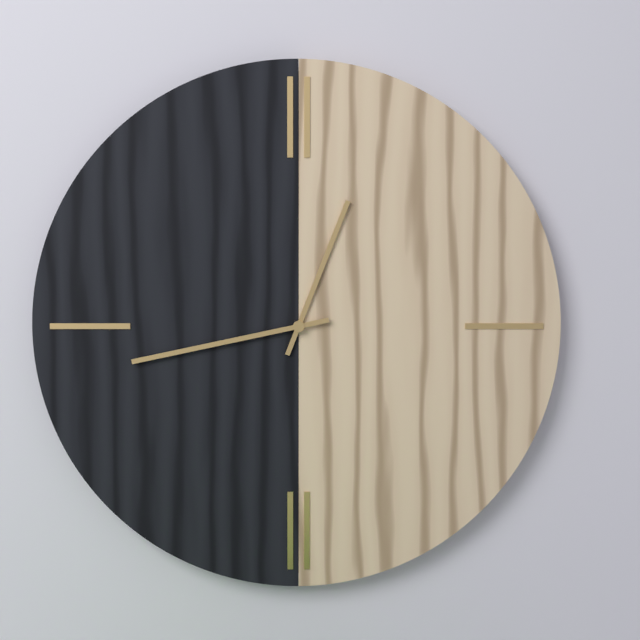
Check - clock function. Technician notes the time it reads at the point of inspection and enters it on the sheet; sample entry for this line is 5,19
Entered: 12,43
